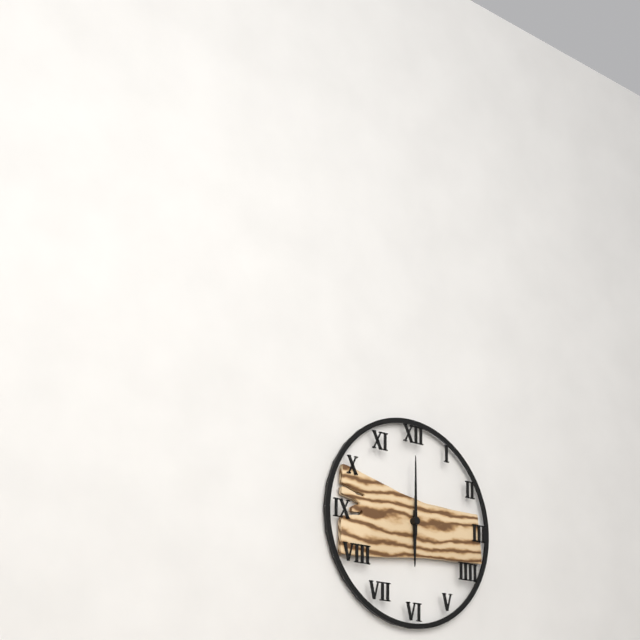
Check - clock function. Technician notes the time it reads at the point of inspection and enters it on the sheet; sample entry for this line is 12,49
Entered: 6,00
